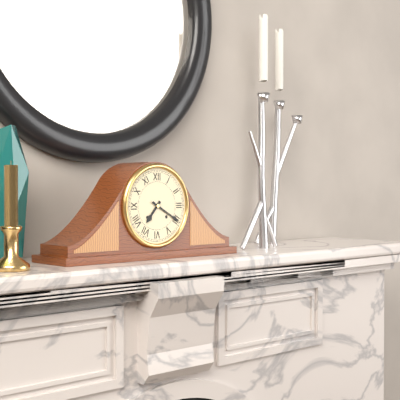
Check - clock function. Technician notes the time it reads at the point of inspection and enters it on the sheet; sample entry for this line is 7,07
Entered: 7,20
